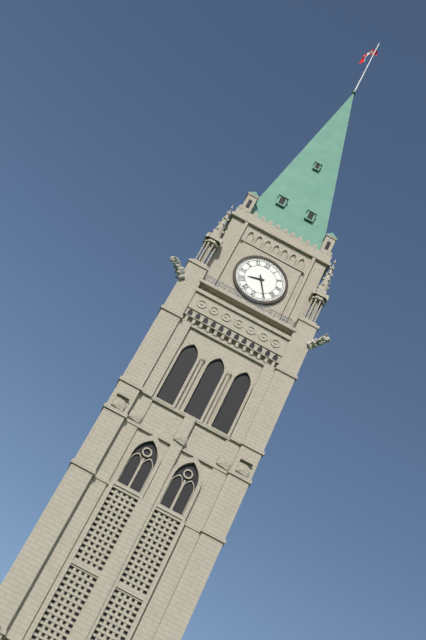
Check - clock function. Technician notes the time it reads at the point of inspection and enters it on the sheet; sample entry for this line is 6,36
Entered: 8,25
